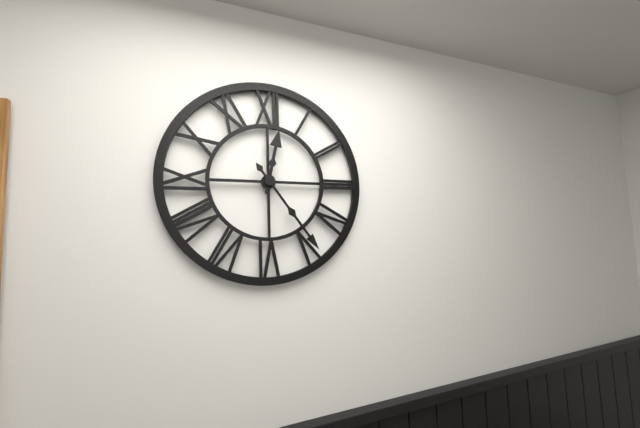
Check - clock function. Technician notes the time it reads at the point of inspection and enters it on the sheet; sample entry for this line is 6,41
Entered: 12,24
